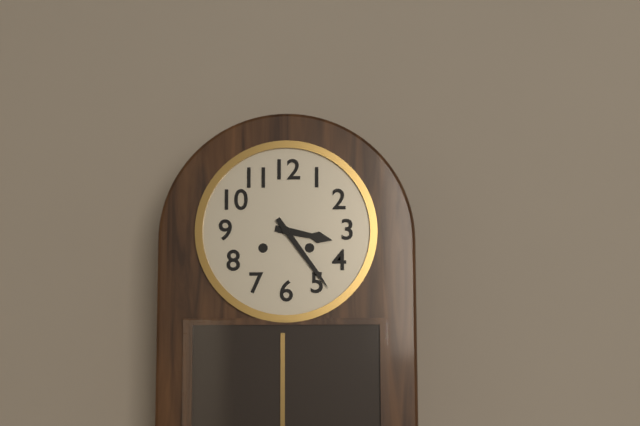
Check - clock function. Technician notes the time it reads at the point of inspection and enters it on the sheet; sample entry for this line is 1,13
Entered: 3,24
